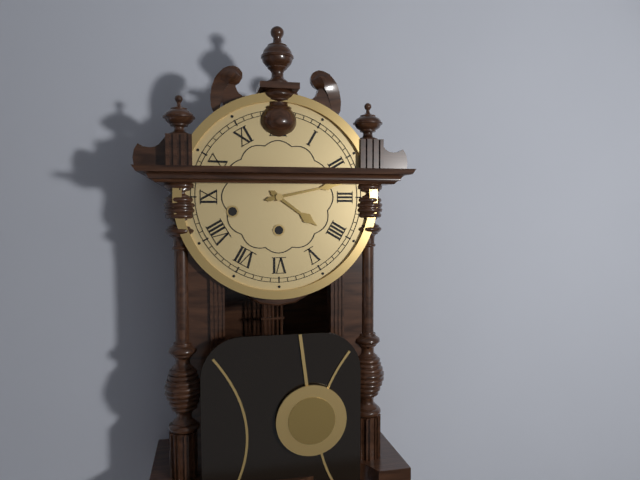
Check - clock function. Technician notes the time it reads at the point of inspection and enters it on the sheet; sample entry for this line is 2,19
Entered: 4,13
